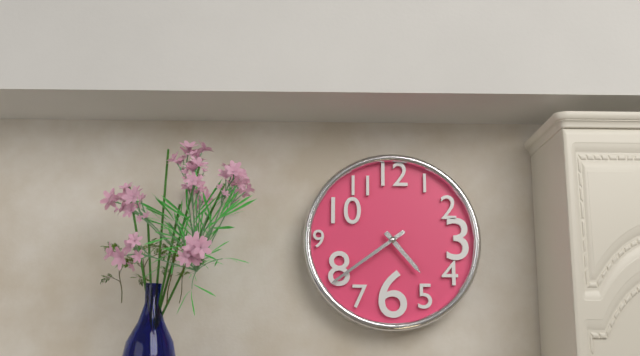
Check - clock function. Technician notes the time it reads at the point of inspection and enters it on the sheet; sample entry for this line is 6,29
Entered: 4,39
